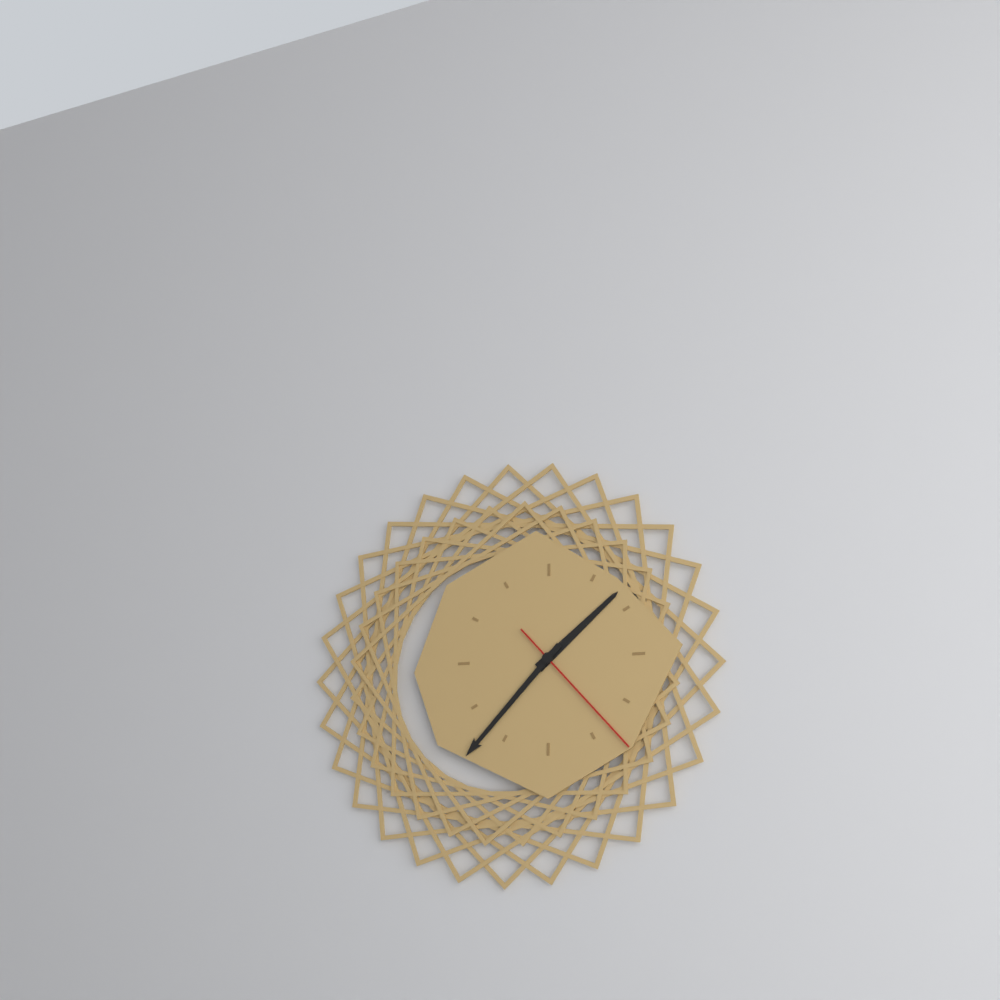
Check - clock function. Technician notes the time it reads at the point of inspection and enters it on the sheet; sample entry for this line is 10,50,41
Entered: 1,37,23
